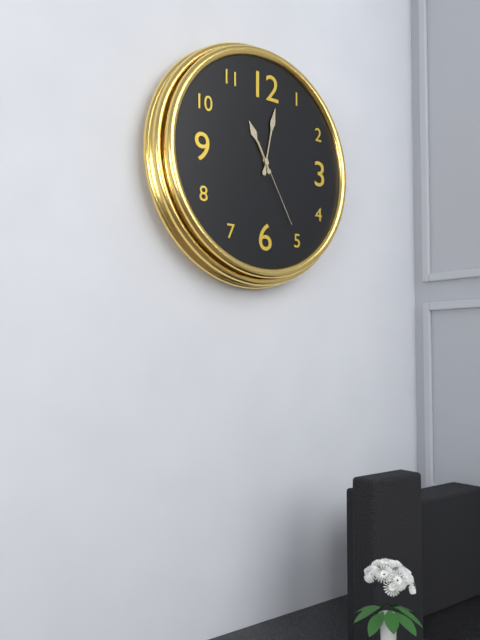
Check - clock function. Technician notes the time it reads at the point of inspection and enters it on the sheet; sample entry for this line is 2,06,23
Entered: 11,02,25
